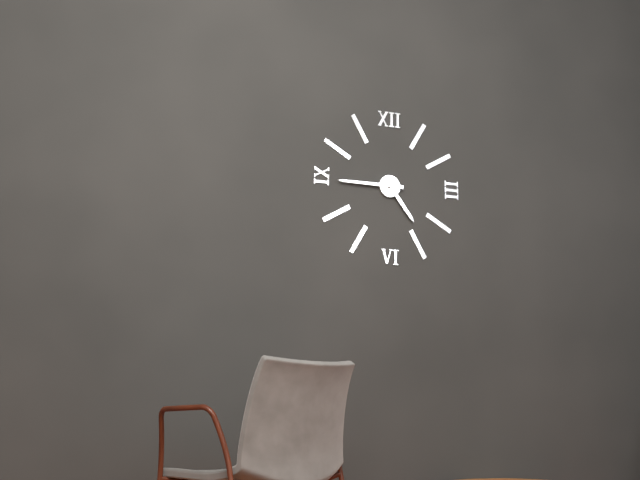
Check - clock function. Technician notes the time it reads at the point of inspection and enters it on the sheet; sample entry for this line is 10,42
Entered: 4,45
